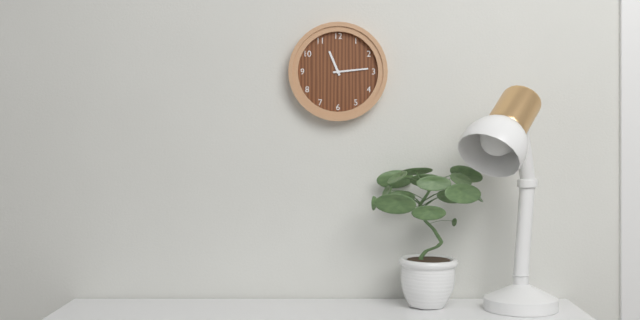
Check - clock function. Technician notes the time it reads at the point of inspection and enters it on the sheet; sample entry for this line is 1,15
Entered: 11,14
